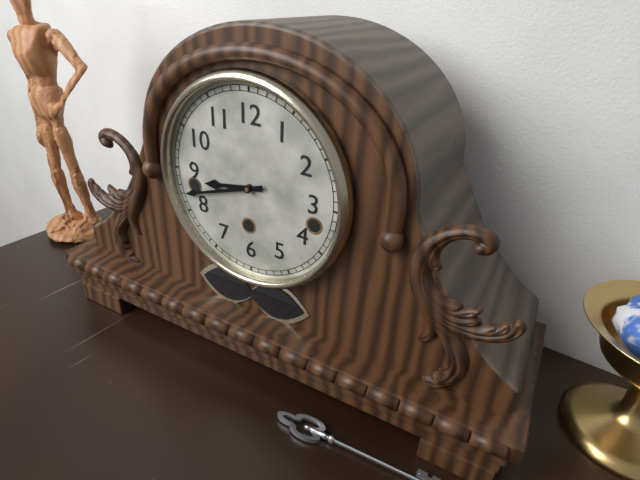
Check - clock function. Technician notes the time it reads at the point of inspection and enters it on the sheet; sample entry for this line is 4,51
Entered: 8,42
